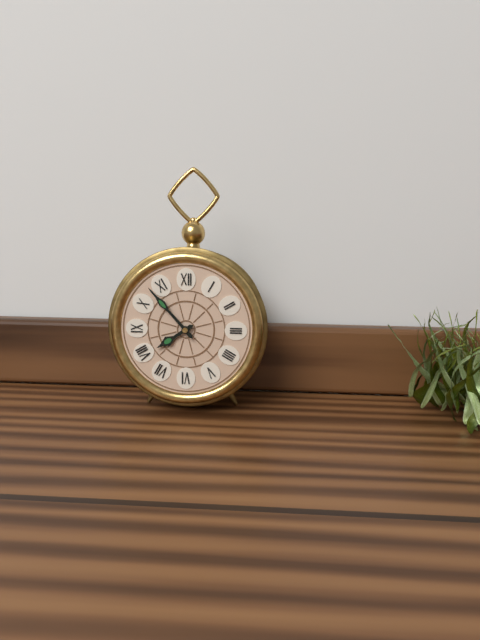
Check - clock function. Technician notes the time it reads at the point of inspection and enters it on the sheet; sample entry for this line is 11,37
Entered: 7,53
